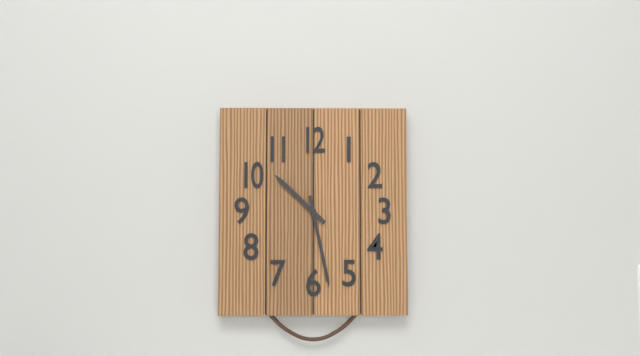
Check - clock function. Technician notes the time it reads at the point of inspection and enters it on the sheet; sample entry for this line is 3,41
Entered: 10,28
